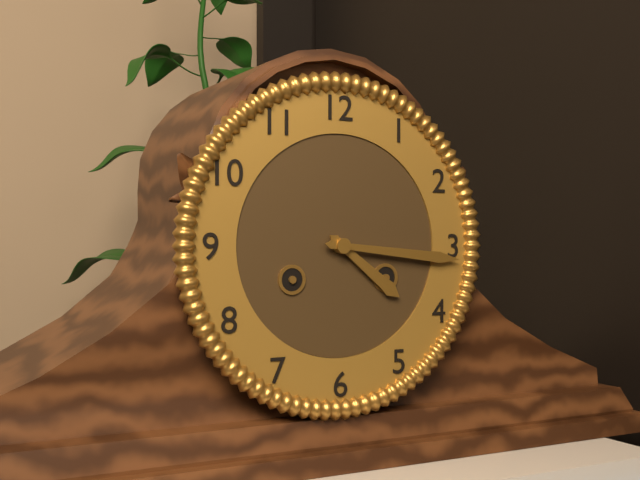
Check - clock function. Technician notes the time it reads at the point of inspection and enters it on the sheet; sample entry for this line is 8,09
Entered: 4,16
